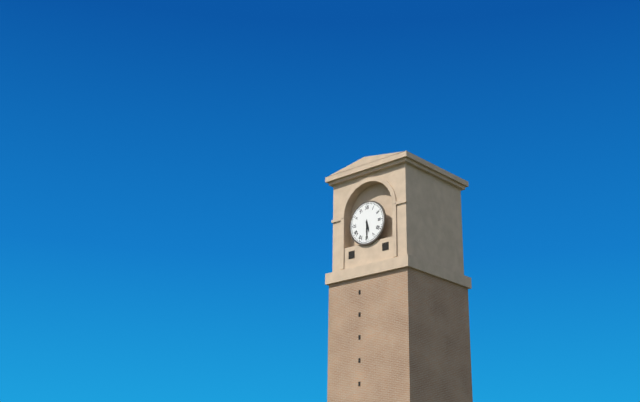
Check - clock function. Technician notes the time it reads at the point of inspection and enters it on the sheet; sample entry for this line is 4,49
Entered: 5,30
